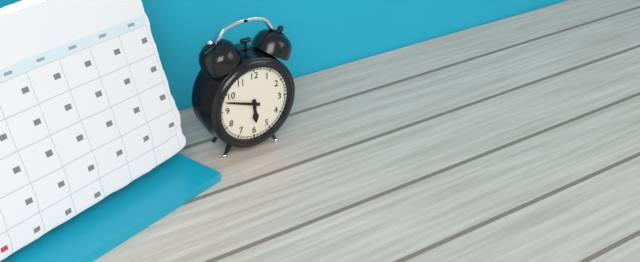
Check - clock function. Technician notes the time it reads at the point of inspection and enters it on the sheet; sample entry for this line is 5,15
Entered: 5,48
